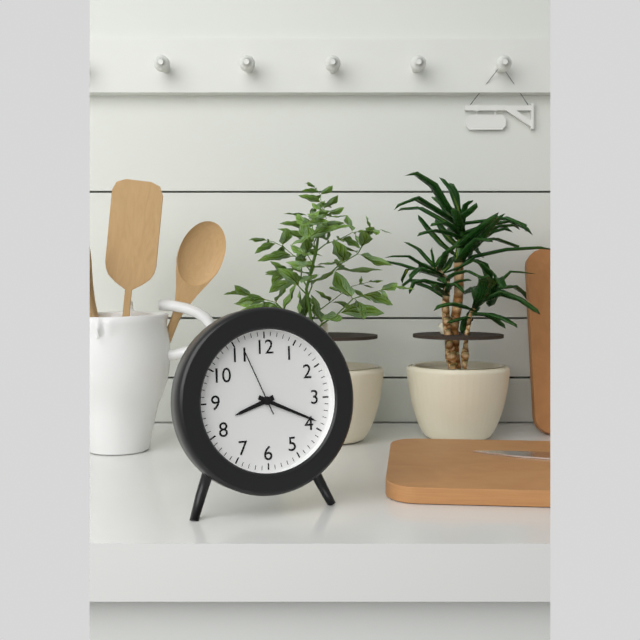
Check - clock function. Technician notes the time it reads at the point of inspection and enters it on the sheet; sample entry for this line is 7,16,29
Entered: 8,19,56
